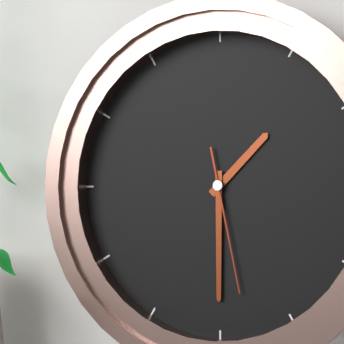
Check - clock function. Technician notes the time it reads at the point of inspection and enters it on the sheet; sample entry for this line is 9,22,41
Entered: 1,30,28
